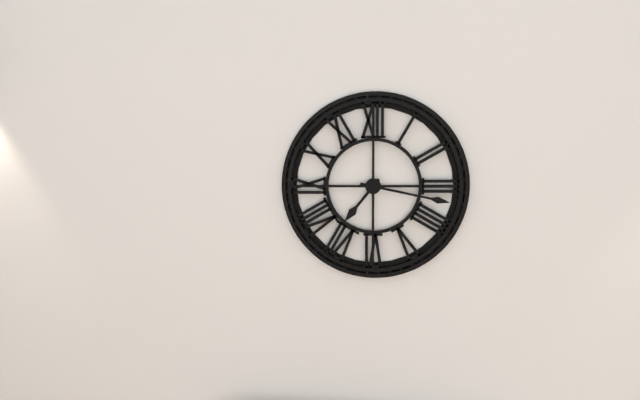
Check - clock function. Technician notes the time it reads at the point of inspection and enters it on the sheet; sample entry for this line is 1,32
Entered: 7,17
